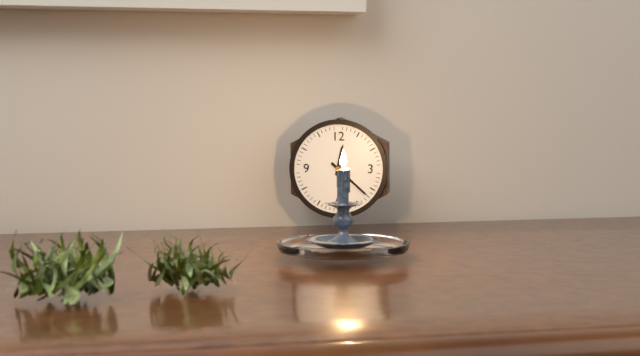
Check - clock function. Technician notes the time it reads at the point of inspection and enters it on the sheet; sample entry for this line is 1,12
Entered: 12,22
